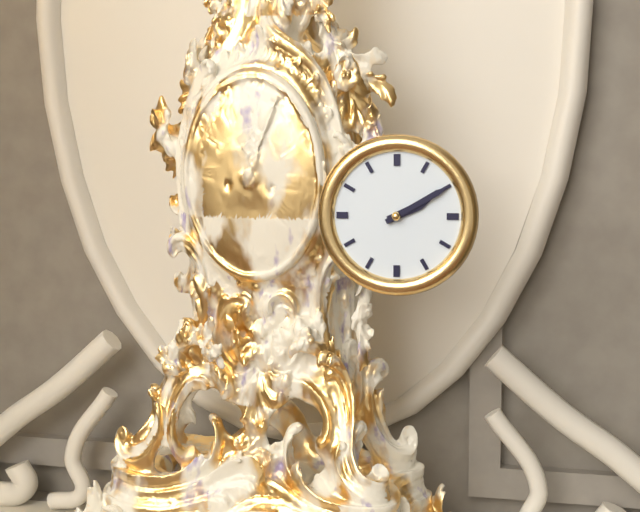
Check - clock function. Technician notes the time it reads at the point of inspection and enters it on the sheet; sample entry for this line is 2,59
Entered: 2,10
